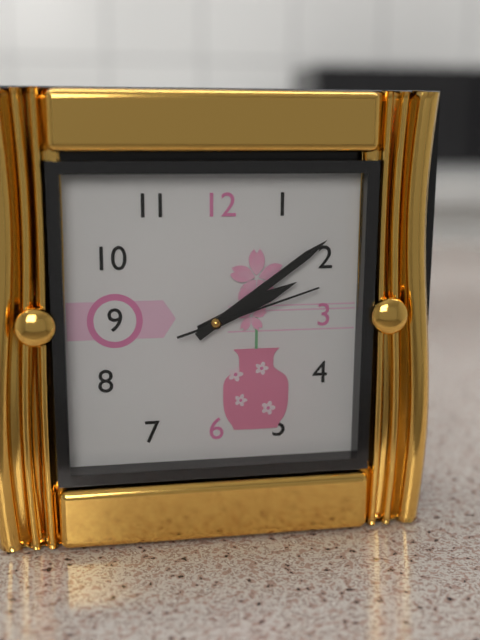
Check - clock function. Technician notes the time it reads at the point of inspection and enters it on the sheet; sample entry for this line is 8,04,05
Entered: 2,09,12
